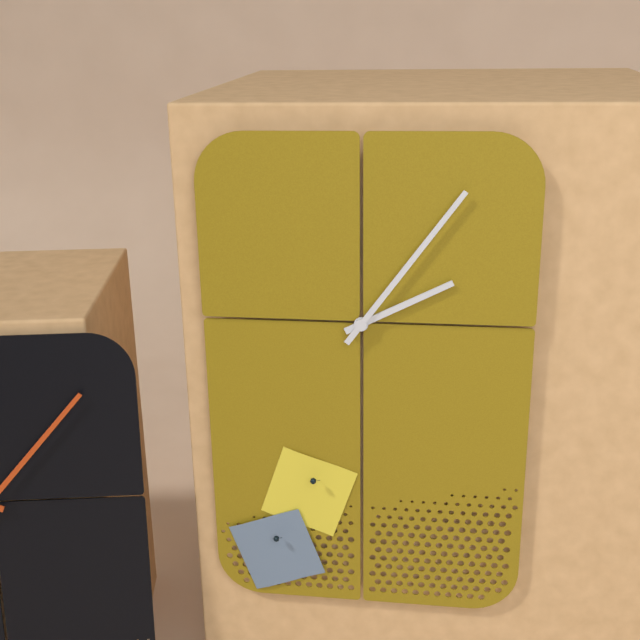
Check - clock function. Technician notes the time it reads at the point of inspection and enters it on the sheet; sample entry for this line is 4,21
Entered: 2,06
